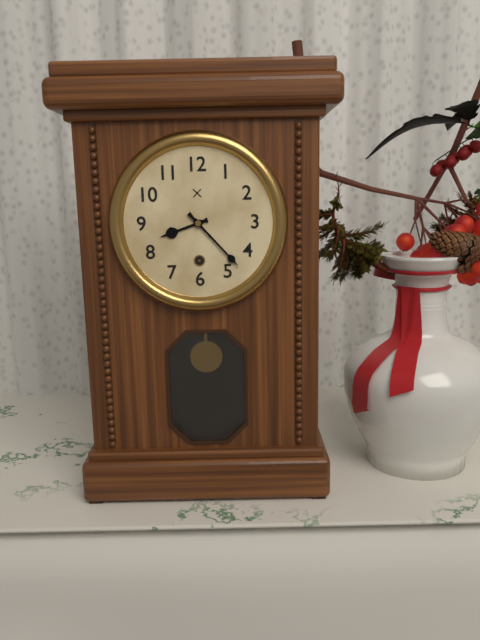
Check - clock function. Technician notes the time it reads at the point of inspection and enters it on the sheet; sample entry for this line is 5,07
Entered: 8,23
